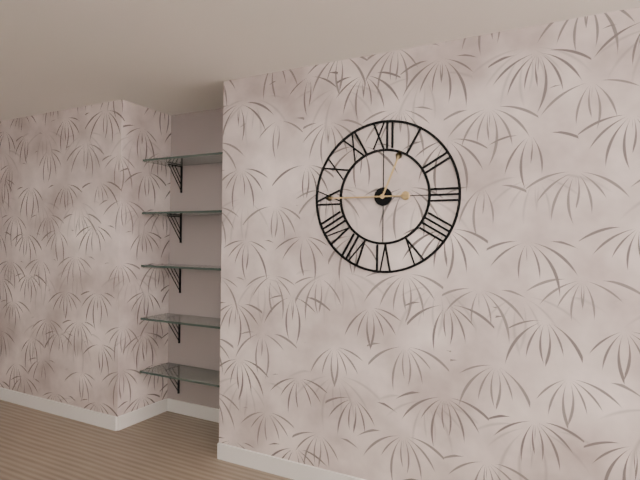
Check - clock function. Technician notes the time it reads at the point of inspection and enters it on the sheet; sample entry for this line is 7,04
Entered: 12,45
